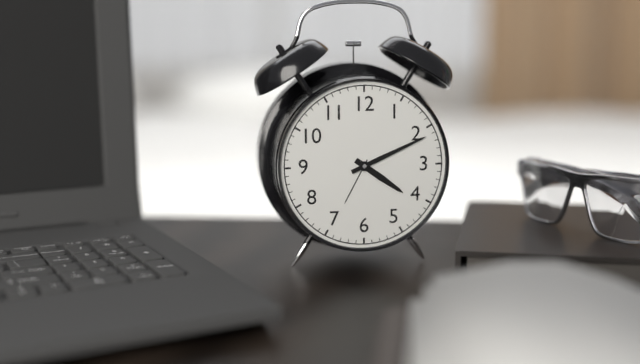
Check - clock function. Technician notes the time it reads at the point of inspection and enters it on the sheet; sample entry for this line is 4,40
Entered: 4,11
